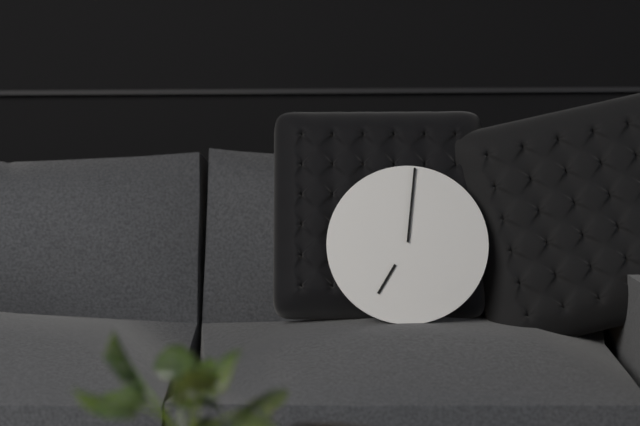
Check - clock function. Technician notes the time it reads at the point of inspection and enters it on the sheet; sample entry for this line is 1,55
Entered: 7,01
